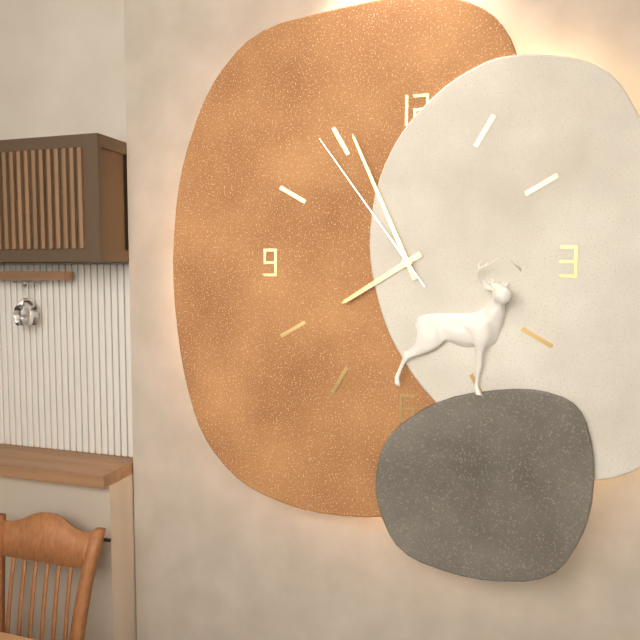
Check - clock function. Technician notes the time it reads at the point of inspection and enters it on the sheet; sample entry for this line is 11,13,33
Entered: 7,56,54
